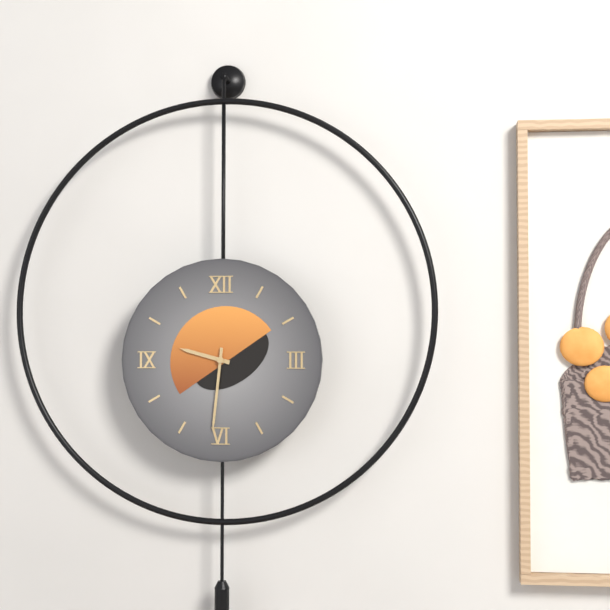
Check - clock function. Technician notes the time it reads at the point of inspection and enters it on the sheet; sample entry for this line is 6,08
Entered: 9,31
